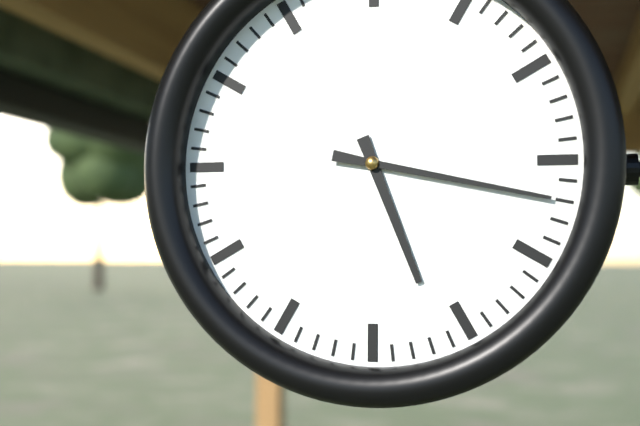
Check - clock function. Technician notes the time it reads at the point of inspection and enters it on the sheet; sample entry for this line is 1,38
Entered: 5,17
